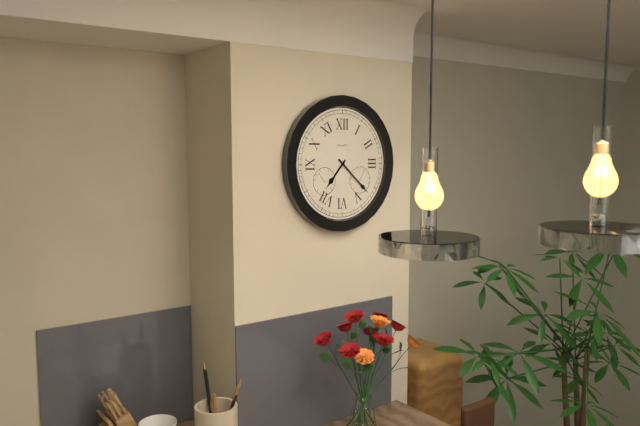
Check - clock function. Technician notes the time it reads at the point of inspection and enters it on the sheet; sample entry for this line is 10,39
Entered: 7,22
